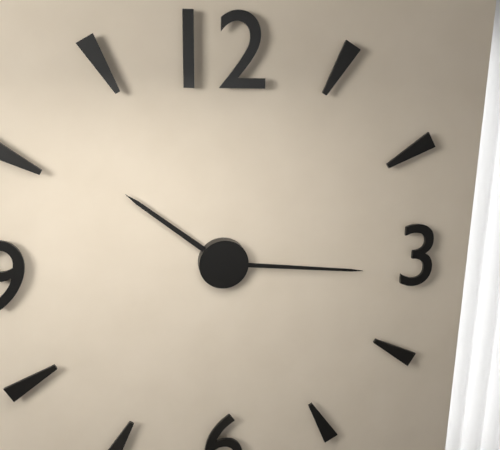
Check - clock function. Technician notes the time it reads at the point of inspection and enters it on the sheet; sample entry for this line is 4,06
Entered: 10,16
